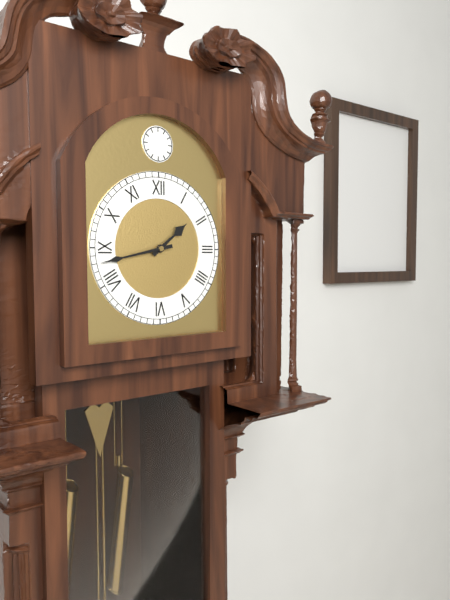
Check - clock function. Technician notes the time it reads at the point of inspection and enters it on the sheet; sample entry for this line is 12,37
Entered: 1,43
